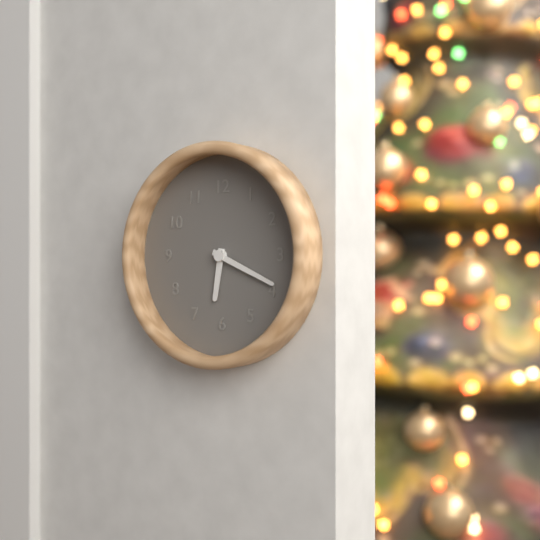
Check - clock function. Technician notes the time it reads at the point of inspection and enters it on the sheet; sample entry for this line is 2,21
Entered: 6,19
